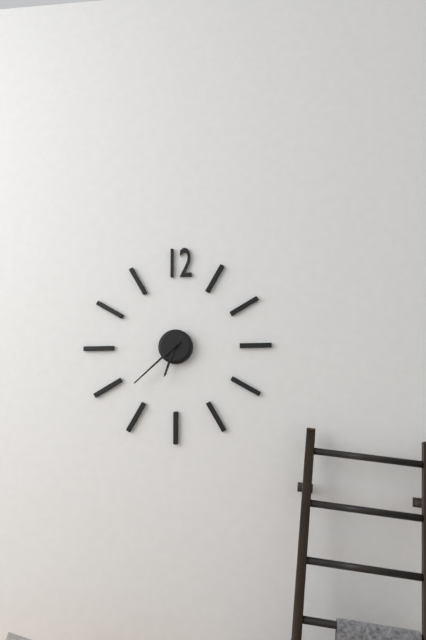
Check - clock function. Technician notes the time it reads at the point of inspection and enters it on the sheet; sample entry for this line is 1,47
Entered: 6,38
